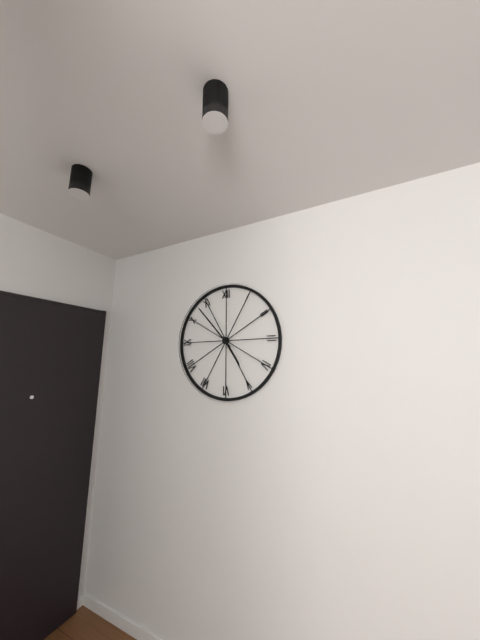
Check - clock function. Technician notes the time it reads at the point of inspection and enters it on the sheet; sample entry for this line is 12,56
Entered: 4,53
